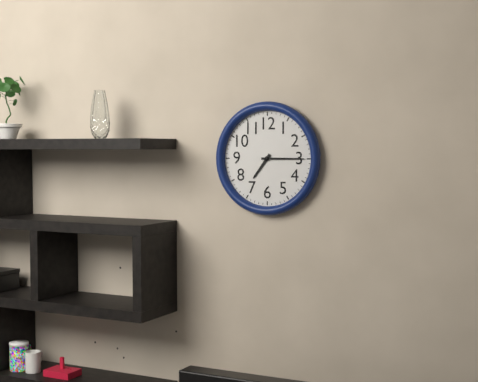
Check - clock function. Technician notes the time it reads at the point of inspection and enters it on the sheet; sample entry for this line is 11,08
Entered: 7,15
